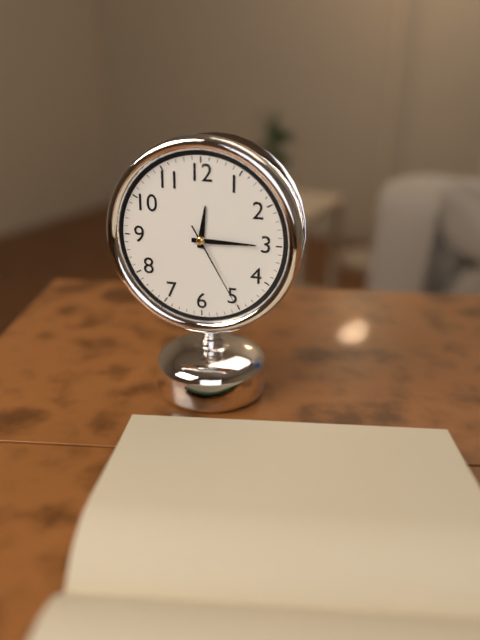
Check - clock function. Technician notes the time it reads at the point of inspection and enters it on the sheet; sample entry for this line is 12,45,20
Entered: 12,15,25
